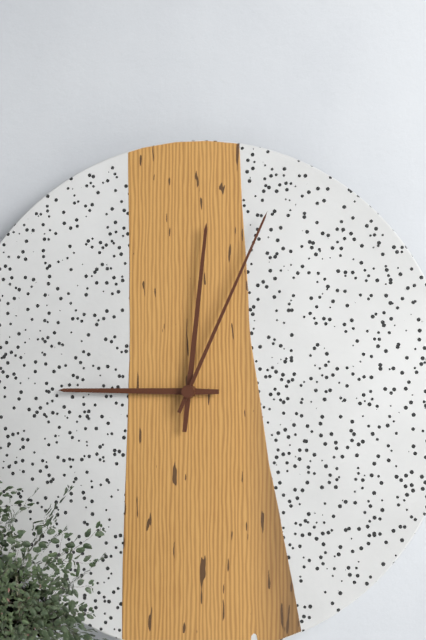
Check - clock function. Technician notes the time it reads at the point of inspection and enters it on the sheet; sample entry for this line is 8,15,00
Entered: 9,01,04
